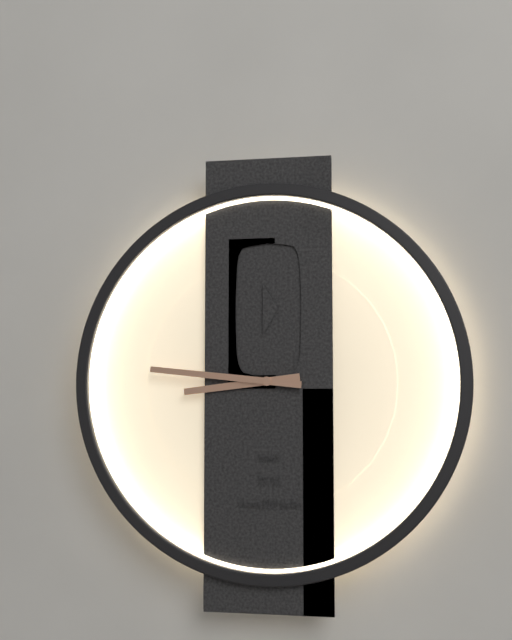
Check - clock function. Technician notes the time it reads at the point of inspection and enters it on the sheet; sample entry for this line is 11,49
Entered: 8,46
